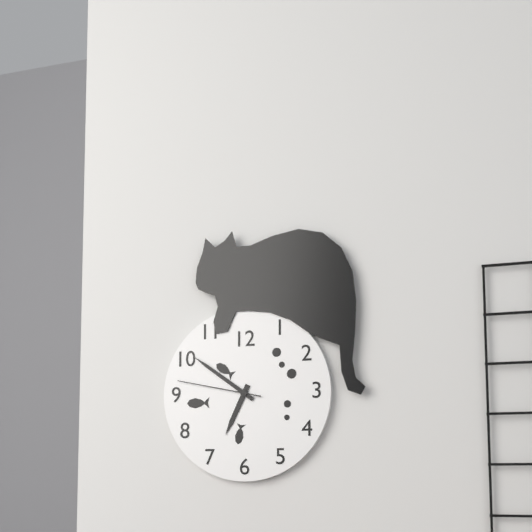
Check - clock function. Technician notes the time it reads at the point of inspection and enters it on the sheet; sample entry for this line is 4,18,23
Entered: 6,51,47
